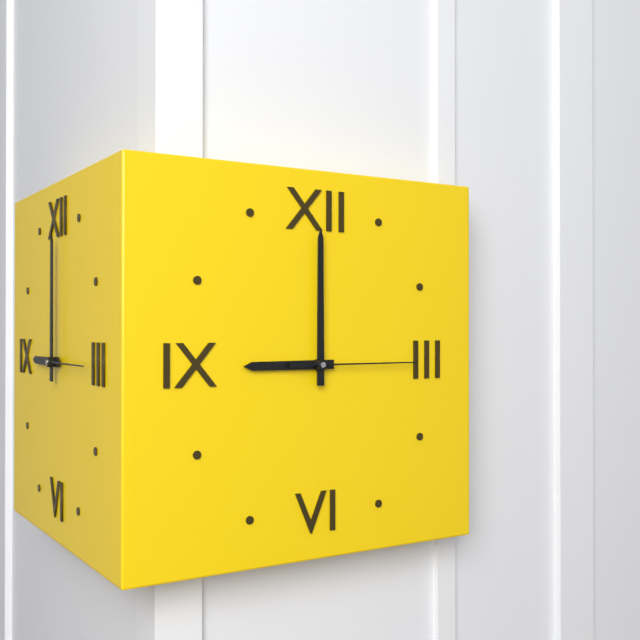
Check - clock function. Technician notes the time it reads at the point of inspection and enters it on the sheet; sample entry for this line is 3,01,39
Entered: 9,00,15
